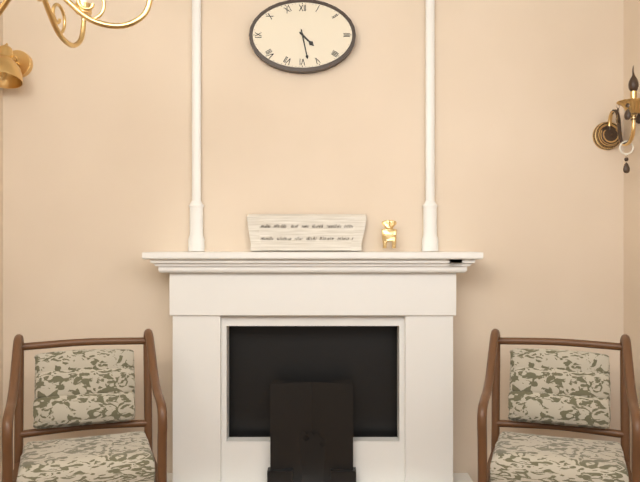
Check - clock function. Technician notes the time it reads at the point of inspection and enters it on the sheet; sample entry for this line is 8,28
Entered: 4,28
